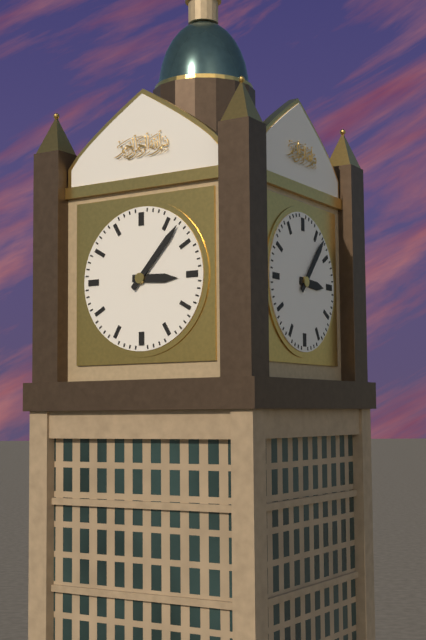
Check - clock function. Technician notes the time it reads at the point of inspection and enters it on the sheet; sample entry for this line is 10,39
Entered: 3,07
